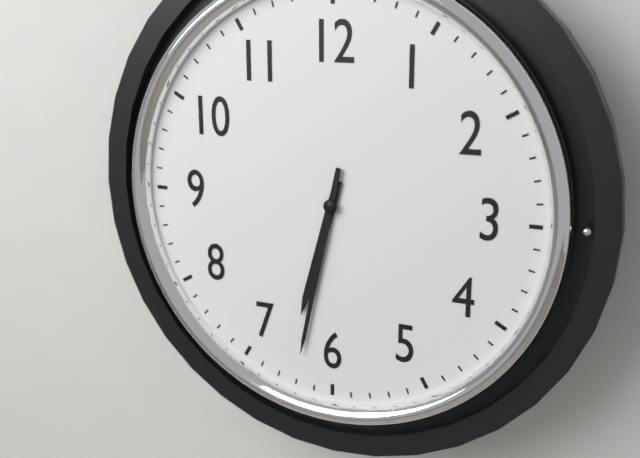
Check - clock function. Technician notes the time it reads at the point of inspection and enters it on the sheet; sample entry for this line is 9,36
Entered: 6,32
